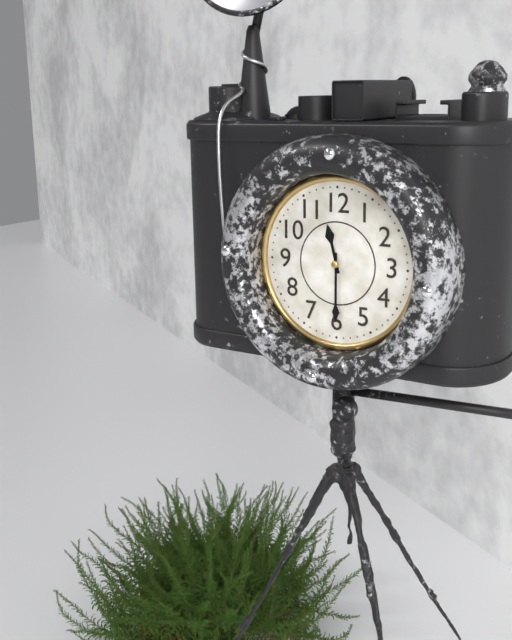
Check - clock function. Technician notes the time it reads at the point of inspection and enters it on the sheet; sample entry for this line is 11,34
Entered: 11,30
